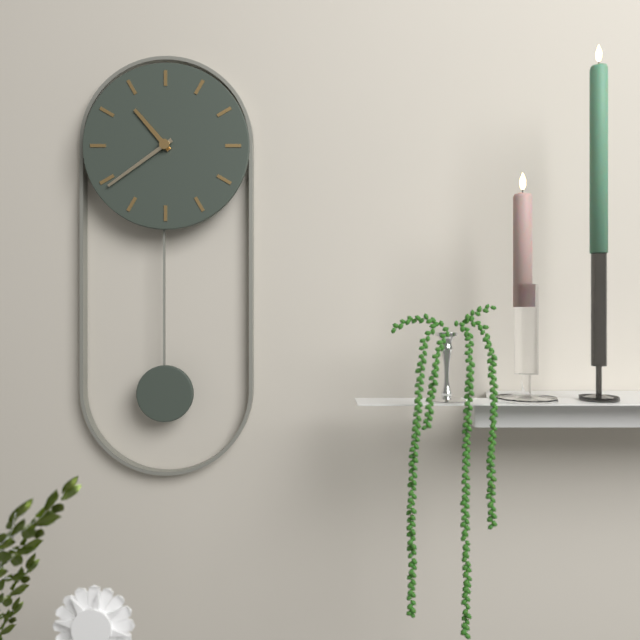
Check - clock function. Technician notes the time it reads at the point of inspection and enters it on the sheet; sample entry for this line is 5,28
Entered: 10,39
